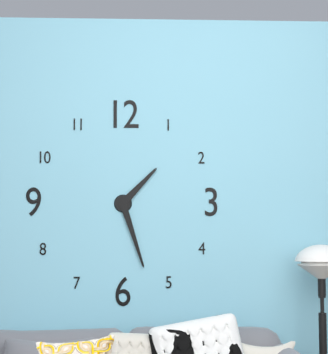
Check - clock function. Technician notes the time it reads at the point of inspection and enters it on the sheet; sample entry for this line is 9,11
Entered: 1,27
